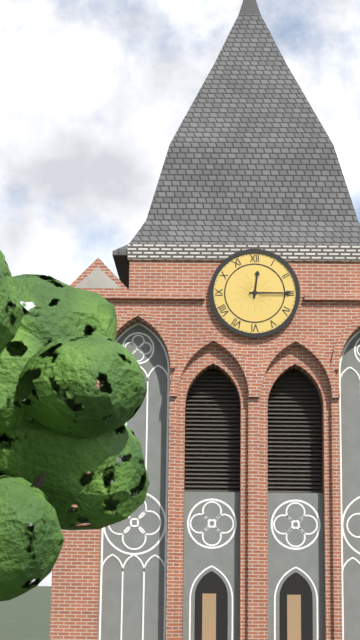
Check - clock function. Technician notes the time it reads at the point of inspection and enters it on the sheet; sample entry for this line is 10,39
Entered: 12,15
